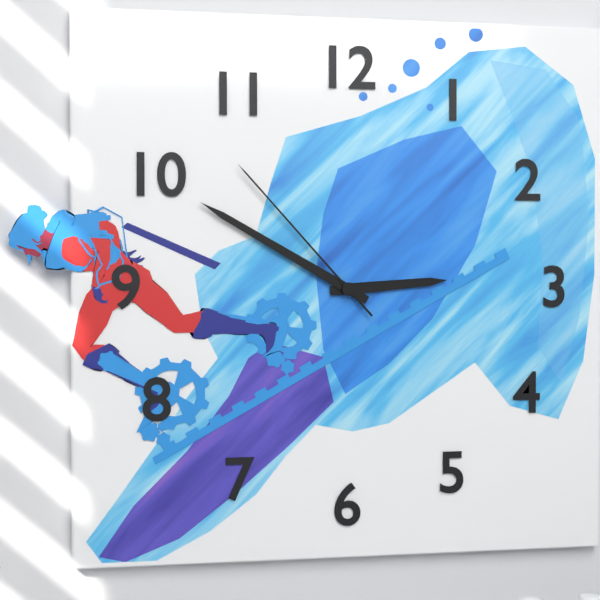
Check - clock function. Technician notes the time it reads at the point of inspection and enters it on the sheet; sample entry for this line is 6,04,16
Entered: 2,50,53
